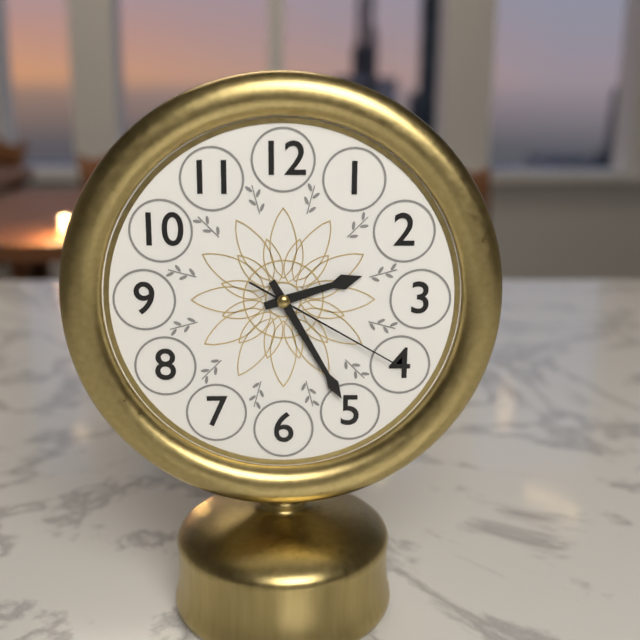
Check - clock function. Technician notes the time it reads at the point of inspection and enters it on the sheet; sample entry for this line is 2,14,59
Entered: 2,25,20
